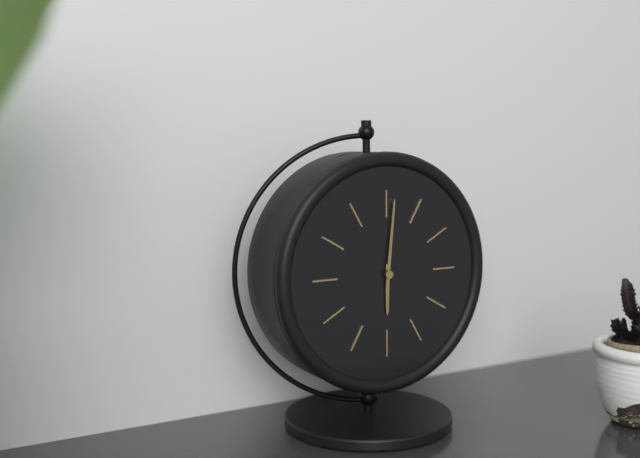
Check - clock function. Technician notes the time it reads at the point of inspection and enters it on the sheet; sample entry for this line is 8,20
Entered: 6,01
